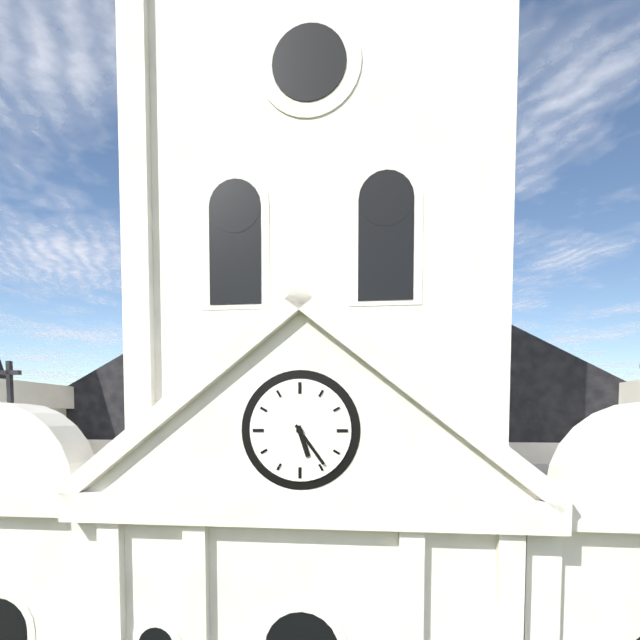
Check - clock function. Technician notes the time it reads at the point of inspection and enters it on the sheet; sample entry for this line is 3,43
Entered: 5,24
